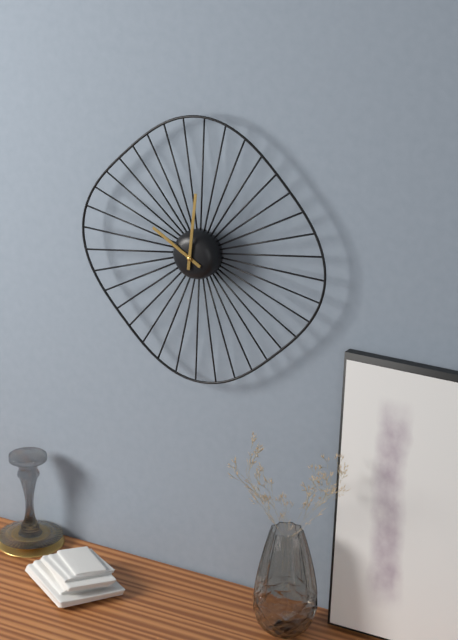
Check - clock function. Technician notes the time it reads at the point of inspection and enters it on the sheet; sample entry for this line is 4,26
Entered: 10,01
